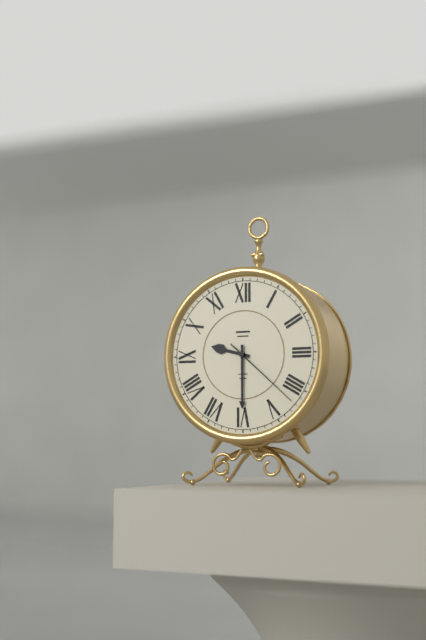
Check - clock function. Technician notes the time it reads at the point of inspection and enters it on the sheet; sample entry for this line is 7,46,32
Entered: 9,30,22
